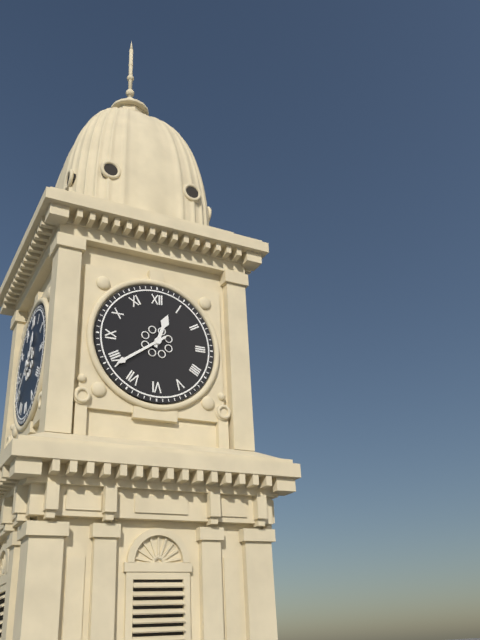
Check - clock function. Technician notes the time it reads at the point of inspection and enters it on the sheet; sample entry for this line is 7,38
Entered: 12,39
